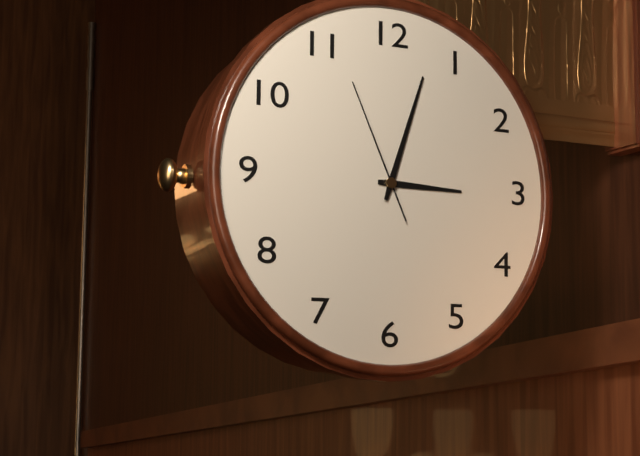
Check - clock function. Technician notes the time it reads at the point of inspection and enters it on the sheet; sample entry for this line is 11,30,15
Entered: 3,03,56
